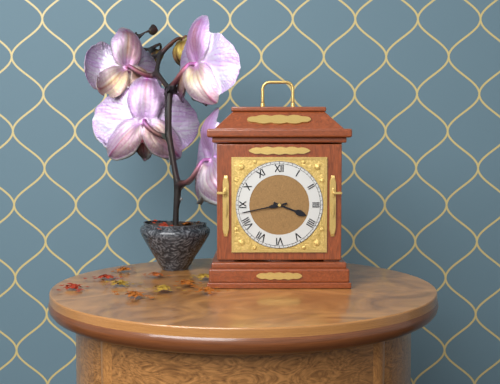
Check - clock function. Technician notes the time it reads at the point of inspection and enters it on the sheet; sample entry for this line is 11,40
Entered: 3,43
